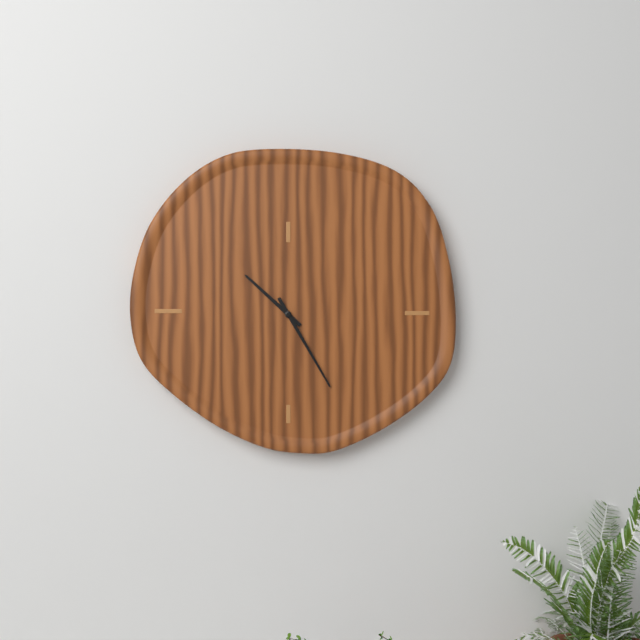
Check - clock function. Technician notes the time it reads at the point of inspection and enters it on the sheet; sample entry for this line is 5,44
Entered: 10,25
